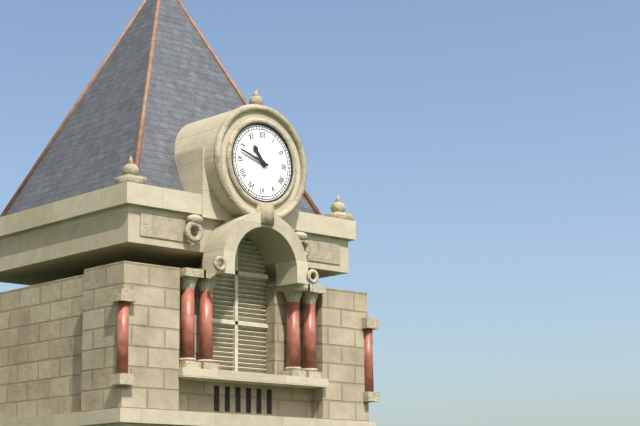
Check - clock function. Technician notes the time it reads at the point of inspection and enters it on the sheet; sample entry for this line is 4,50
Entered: 10,48
